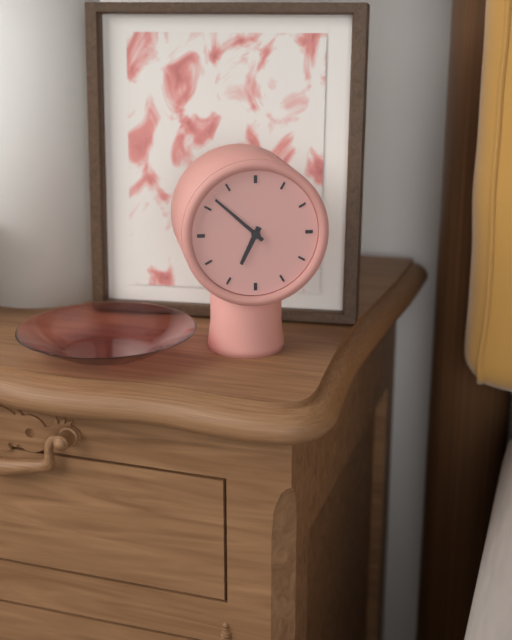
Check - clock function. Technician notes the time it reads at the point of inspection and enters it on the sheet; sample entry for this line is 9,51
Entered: 6,52
